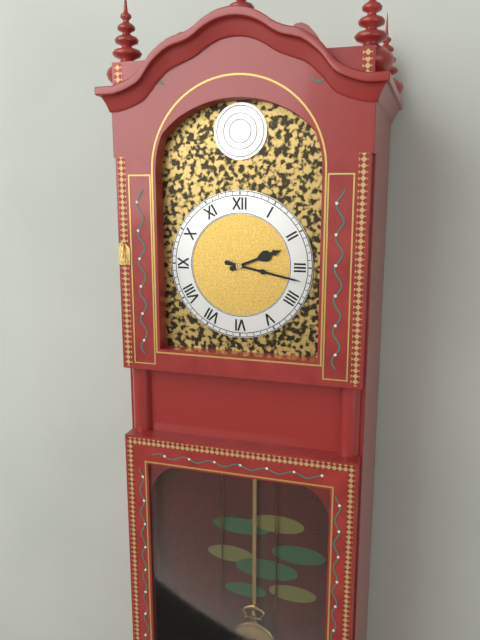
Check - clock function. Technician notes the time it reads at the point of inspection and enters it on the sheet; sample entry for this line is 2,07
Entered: 2,17
